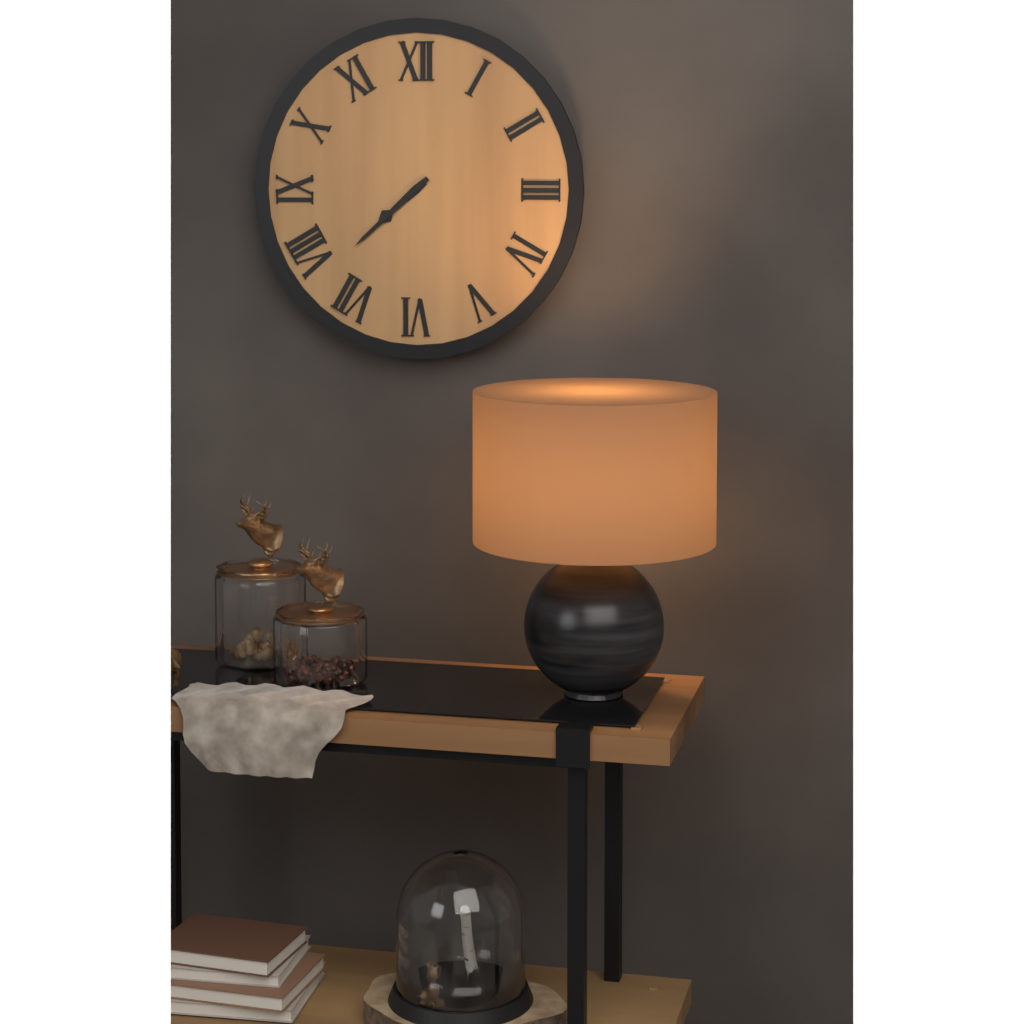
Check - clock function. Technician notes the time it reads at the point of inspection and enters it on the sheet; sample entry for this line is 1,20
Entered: 7,38
